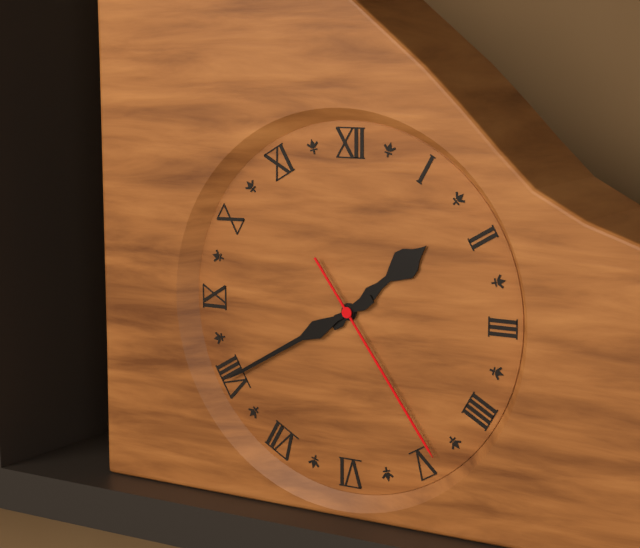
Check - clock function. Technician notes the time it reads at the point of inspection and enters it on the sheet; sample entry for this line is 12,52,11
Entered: 1,40,24
